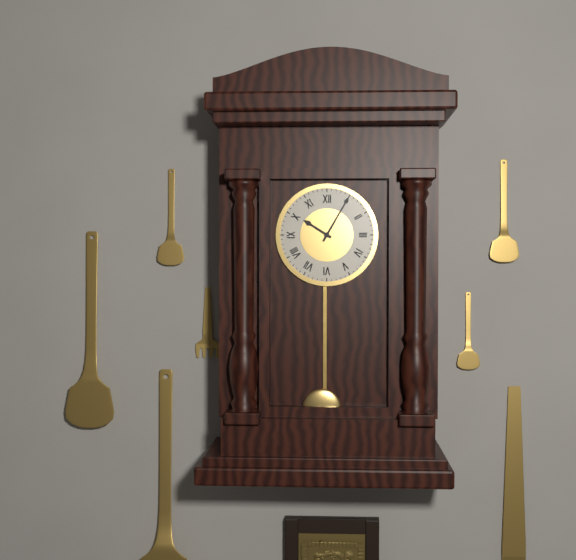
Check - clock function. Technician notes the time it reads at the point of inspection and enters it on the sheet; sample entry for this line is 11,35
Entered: 10,05
